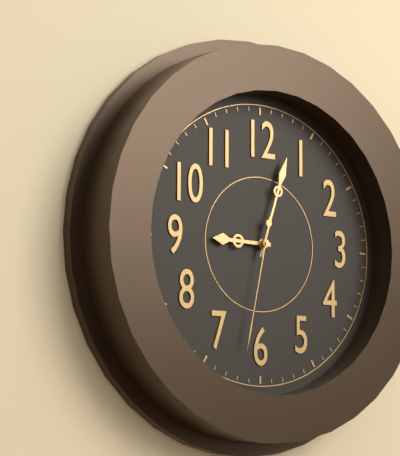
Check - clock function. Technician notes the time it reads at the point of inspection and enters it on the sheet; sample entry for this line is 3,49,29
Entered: 9,03,32
